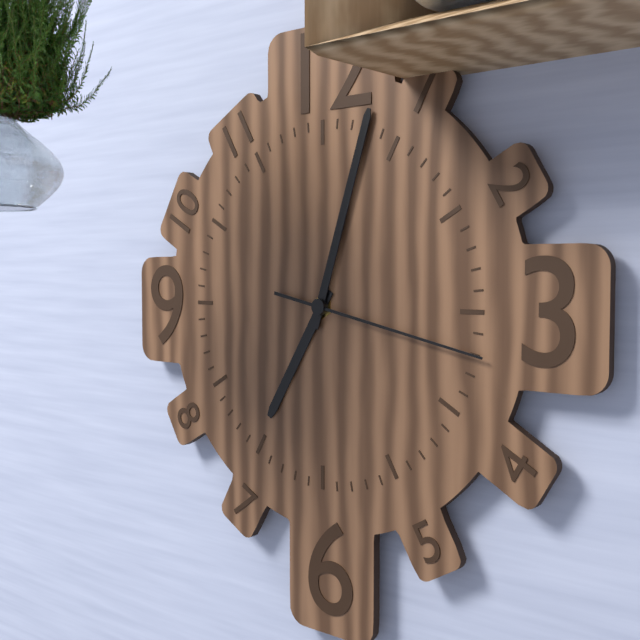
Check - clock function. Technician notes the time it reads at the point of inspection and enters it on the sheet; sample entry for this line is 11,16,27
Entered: 7,03,17
